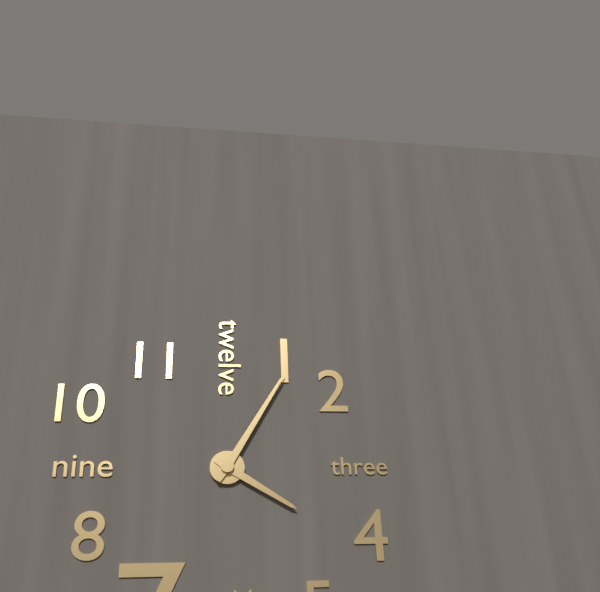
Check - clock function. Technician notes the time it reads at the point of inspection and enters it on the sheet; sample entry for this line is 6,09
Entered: 4,05
